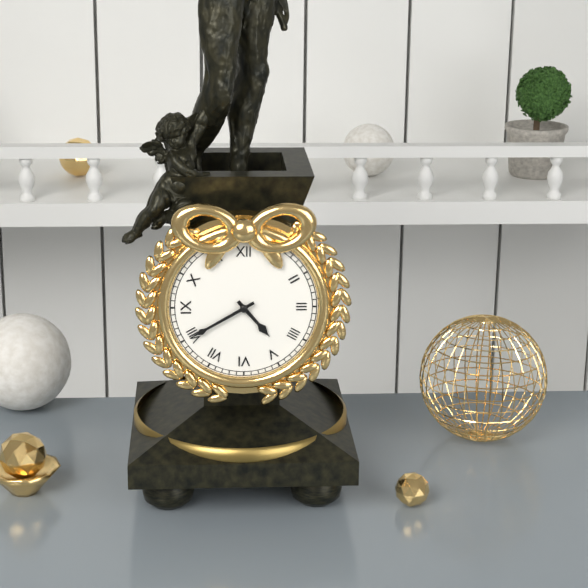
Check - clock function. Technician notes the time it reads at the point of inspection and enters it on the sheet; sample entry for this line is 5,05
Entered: 4,40
